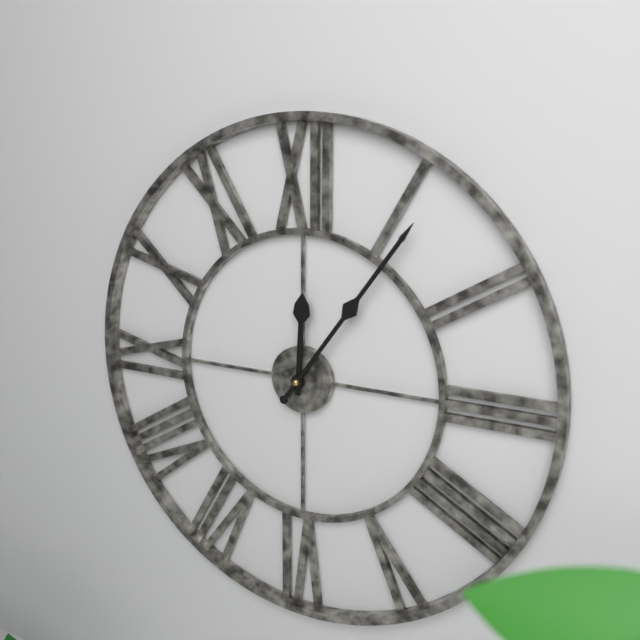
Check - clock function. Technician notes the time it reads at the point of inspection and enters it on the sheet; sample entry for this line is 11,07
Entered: 12,06
